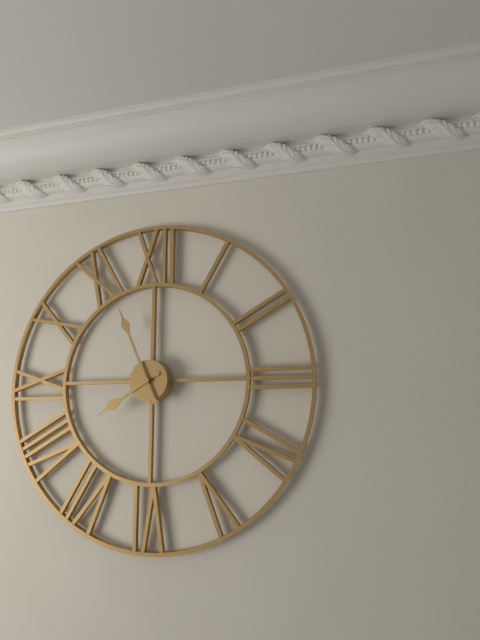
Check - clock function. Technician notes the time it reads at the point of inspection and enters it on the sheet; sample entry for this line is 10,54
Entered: 7,56
